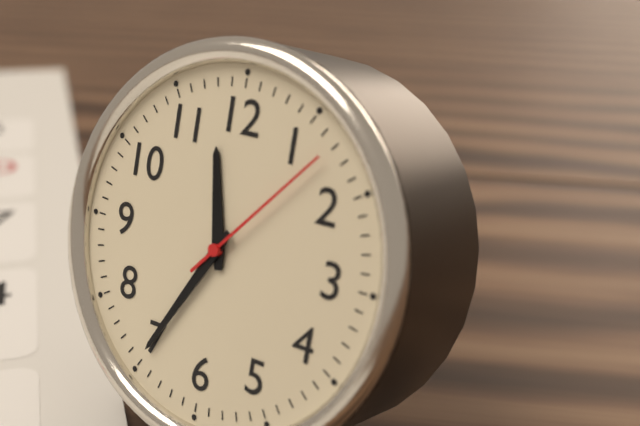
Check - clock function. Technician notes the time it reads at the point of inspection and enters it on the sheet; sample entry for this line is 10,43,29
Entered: 11,35,07
